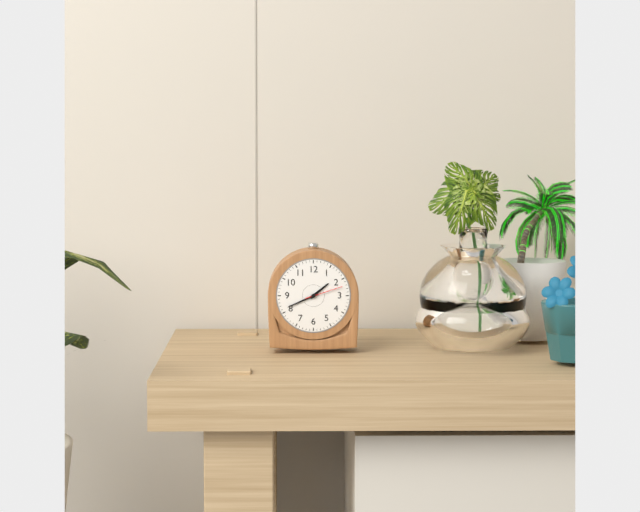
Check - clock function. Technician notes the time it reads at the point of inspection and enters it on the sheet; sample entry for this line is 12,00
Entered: 1,41
